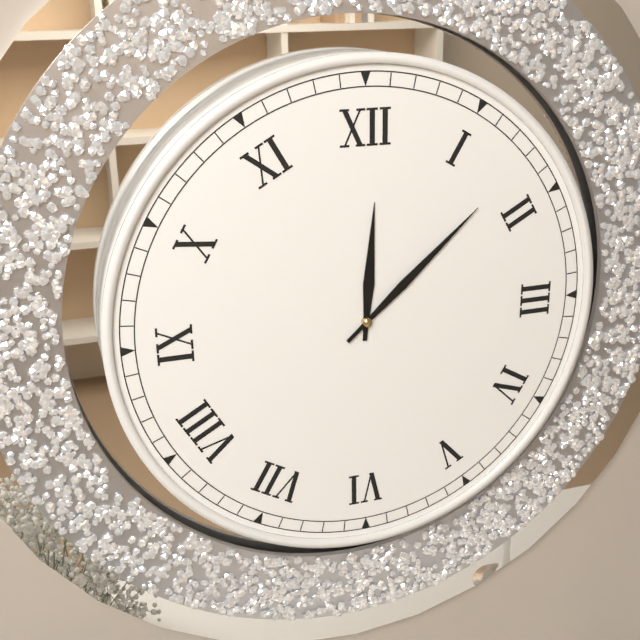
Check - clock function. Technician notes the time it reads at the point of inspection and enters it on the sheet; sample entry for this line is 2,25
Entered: 12,08
